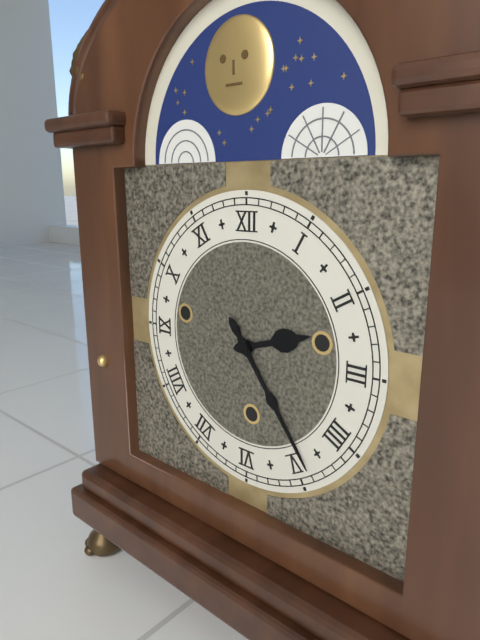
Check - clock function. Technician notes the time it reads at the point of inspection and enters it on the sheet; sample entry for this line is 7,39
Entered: 2,24
